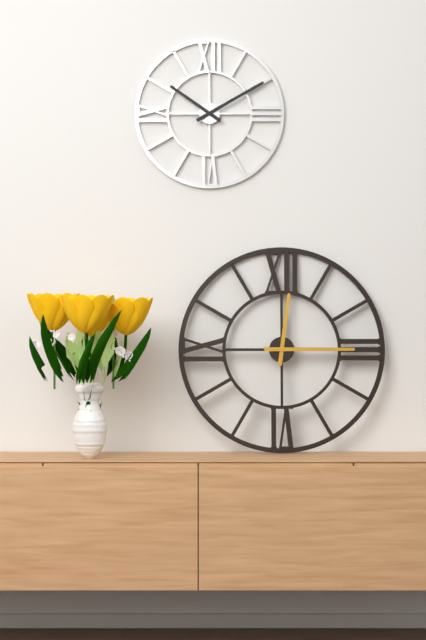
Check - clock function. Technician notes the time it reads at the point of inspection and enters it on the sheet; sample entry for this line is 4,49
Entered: 12,15
